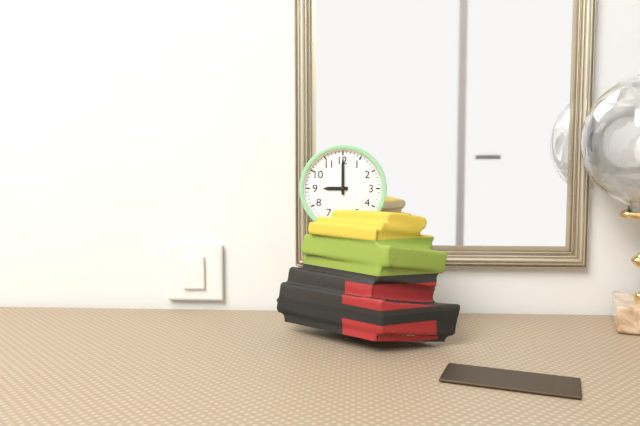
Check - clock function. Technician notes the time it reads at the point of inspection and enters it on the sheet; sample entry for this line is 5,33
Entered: 9,00
